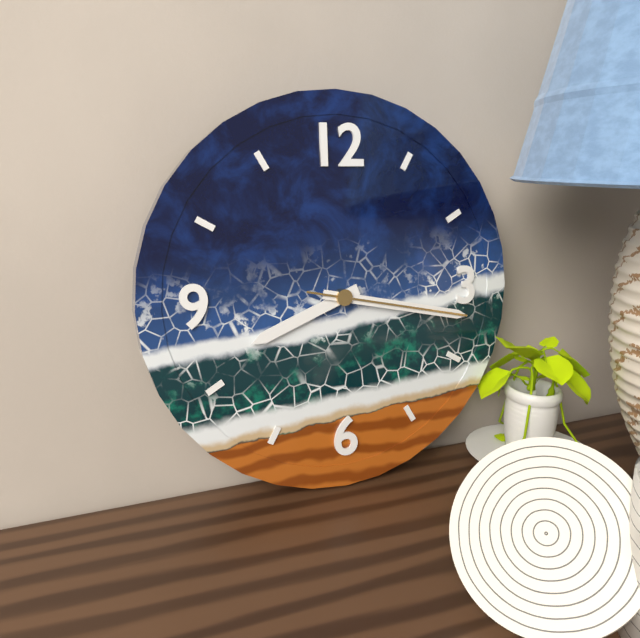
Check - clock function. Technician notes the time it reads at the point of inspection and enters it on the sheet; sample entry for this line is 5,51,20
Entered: 8,17,17
